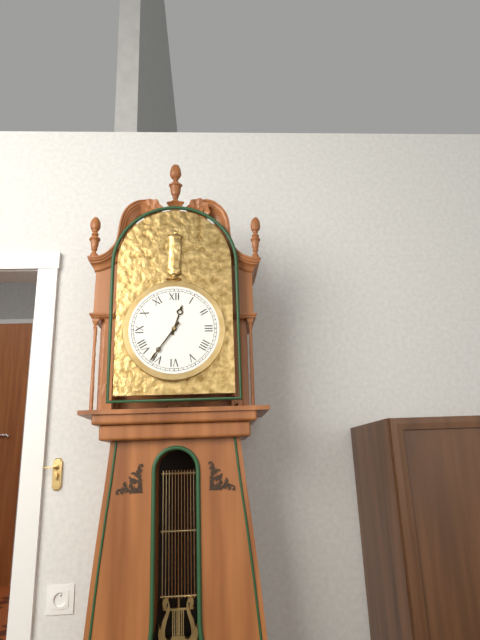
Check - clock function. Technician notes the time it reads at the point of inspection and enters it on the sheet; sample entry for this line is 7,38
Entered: 12,36
